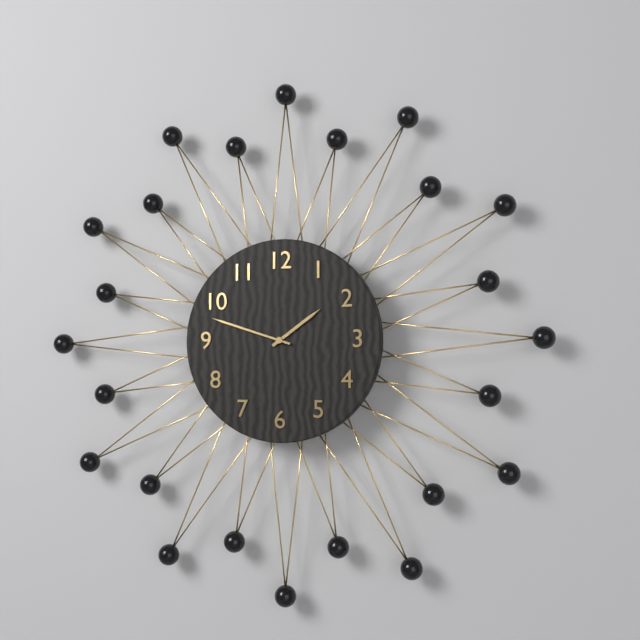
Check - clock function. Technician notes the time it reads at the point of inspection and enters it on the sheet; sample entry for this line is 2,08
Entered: 1,48
